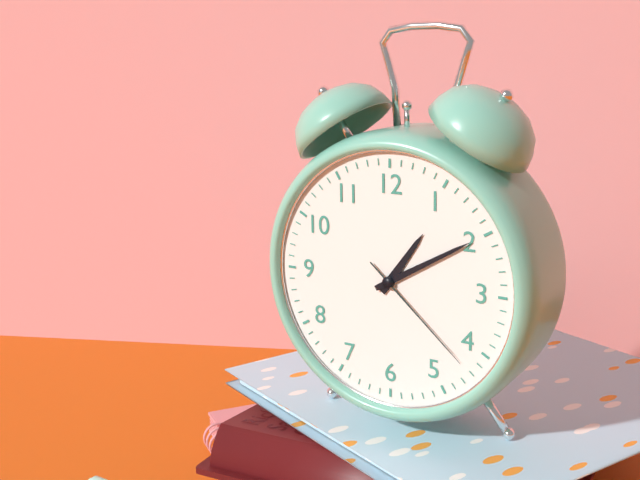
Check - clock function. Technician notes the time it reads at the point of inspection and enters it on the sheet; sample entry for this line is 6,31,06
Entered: 1,10,22
